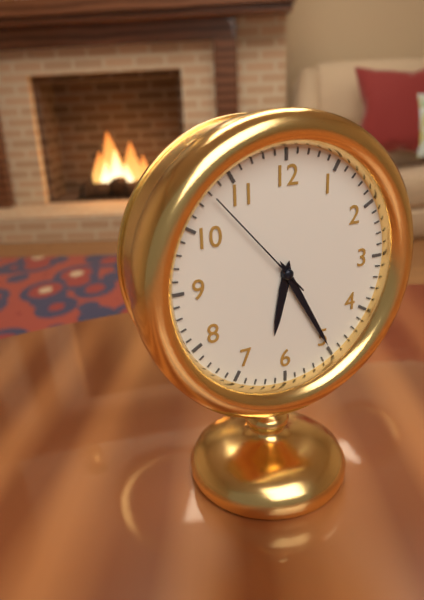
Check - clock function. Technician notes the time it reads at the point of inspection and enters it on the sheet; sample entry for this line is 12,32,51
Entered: 6,25,53
